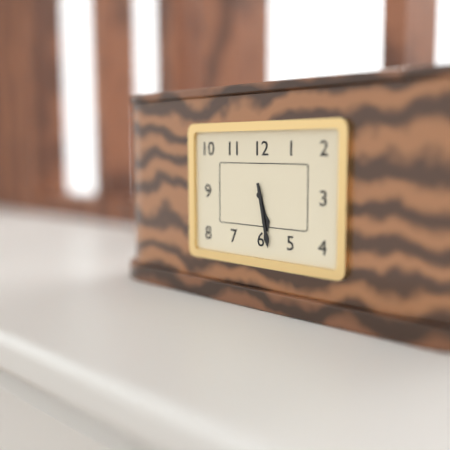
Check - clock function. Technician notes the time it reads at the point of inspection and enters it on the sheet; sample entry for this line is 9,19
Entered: 5,28
